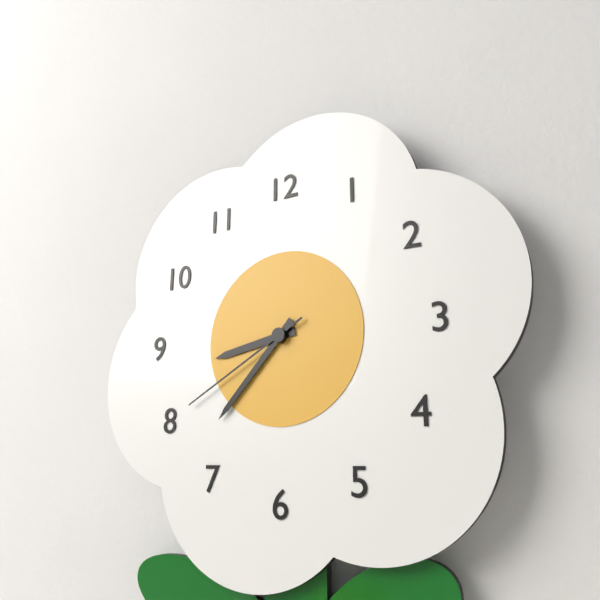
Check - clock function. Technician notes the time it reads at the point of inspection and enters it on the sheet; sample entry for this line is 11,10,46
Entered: 8,37,40
